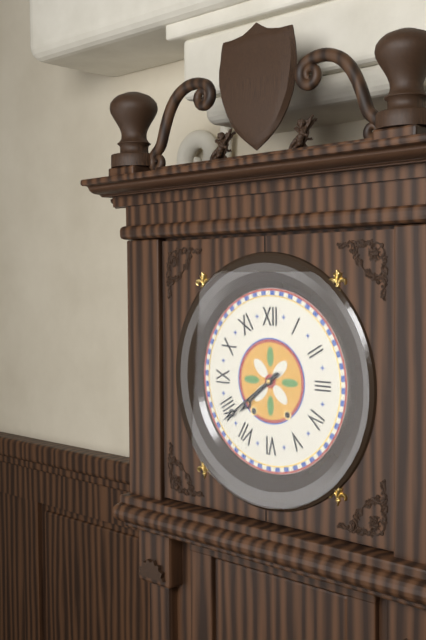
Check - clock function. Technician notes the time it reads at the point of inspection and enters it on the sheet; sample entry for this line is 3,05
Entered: 7,39
